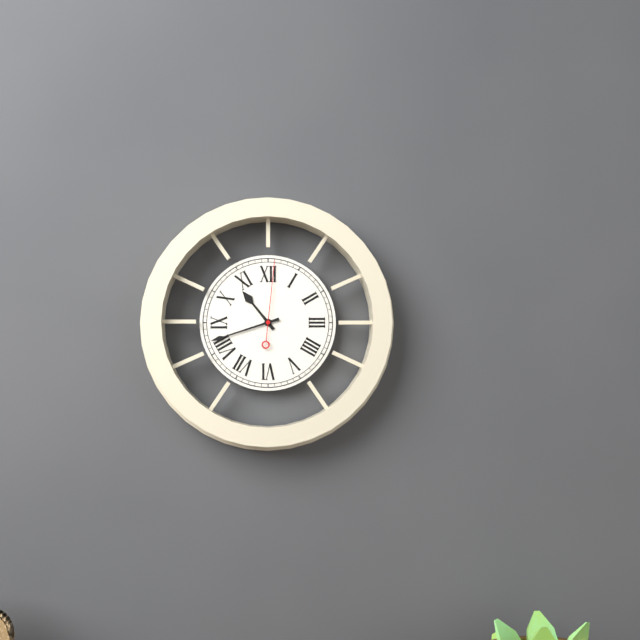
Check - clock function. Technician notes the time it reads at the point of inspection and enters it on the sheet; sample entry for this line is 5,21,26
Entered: 10,42,01
